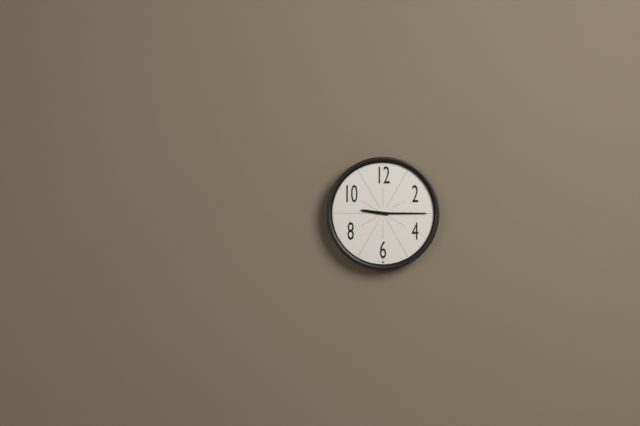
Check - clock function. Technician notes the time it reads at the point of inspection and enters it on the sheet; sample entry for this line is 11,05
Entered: 9,15
